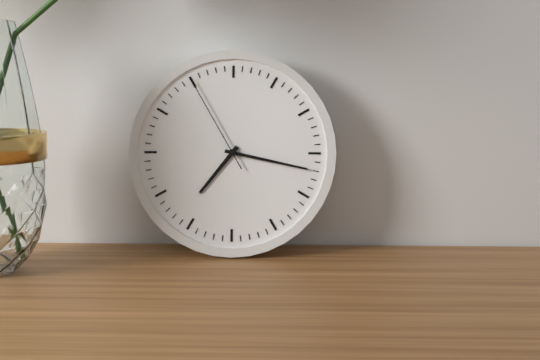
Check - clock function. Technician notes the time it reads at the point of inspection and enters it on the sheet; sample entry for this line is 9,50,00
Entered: 7,17,55
